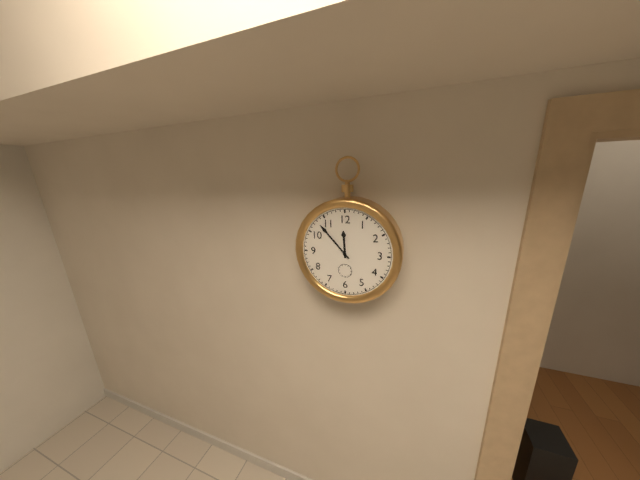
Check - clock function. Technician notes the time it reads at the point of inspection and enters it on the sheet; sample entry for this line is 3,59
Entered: 11,53
